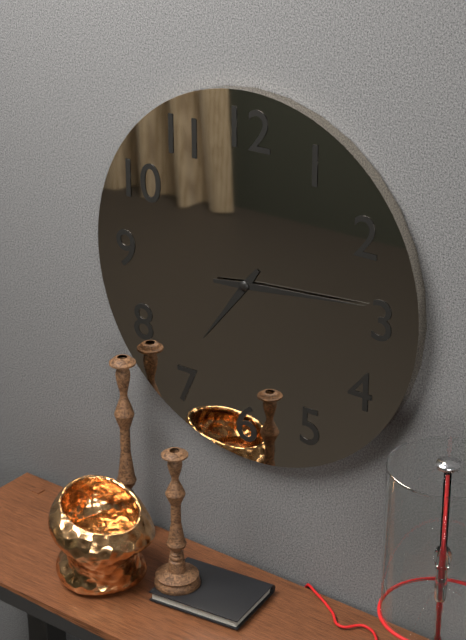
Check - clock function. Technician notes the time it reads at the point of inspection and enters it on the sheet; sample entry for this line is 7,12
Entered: 7,14
